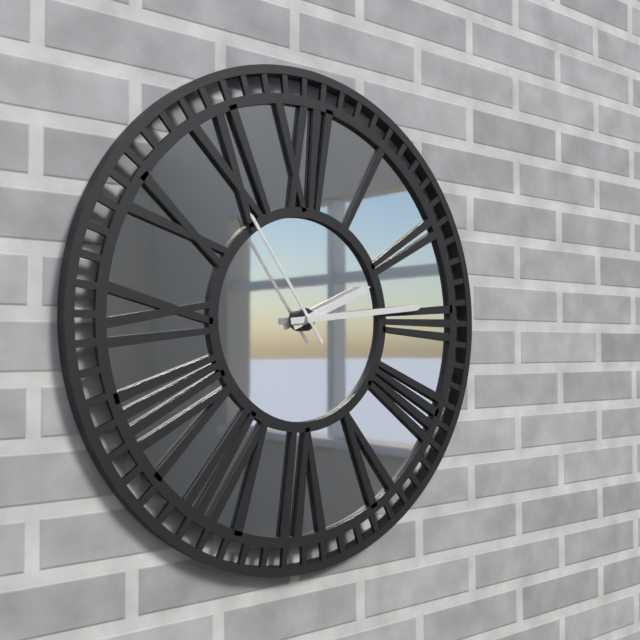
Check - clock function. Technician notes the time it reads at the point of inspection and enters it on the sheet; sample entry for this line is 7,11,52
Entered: 2,14,54
